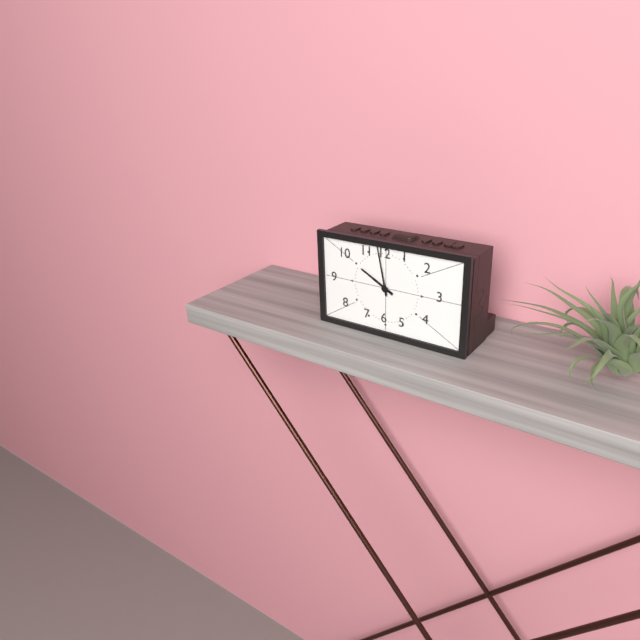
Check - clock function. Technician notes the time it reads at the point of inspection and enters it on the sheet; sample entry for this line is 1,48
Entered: 9,58
